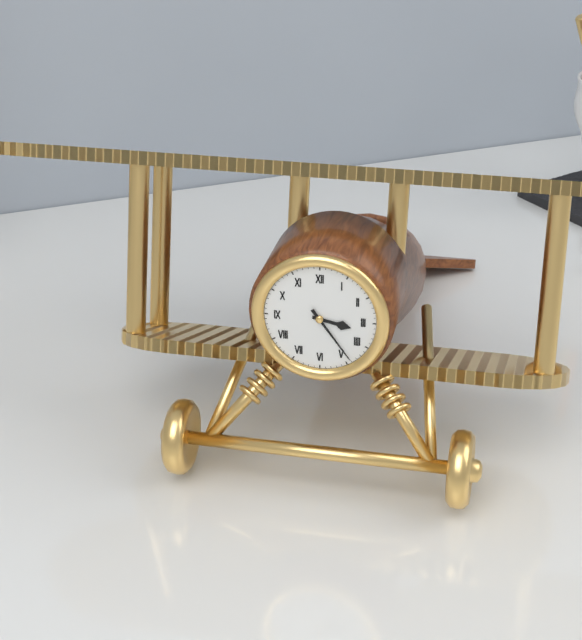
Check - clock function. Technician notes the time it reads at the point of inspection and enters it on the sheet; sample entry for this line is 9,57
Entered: 3,24
